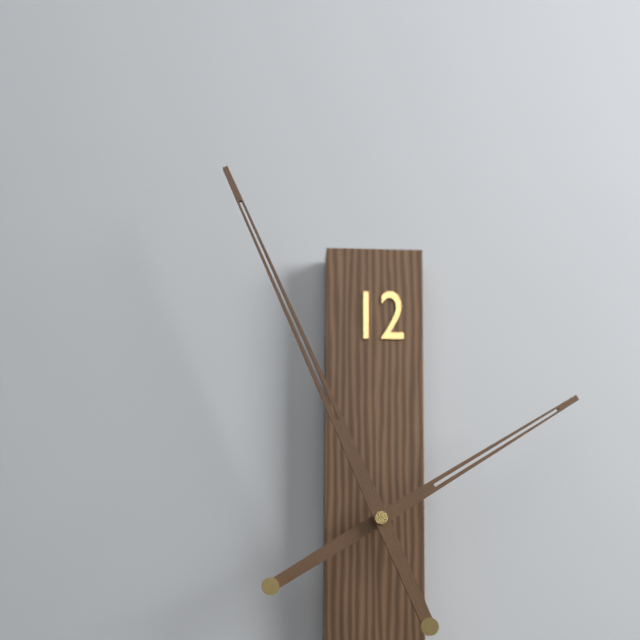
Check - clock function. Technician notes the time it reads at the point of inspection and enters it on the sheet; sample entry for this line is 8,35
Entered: 1,56
